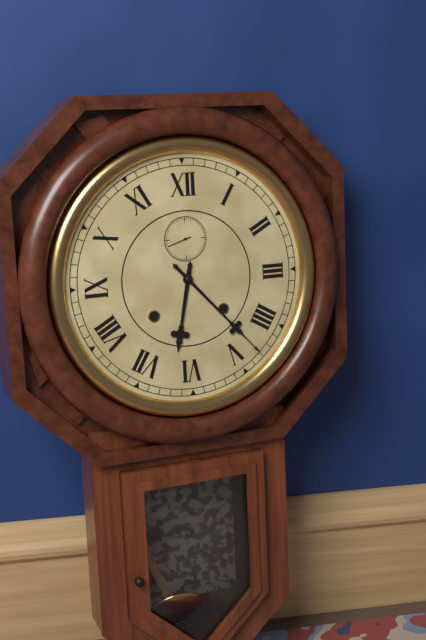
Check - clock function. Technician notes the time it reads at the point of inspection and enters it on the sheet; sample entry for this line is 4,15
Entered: 6,23
